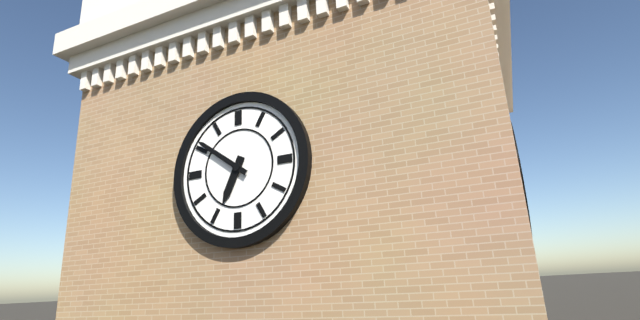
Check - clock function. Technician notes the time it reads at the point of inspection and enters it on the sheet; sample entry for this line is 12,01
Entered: 6,51
